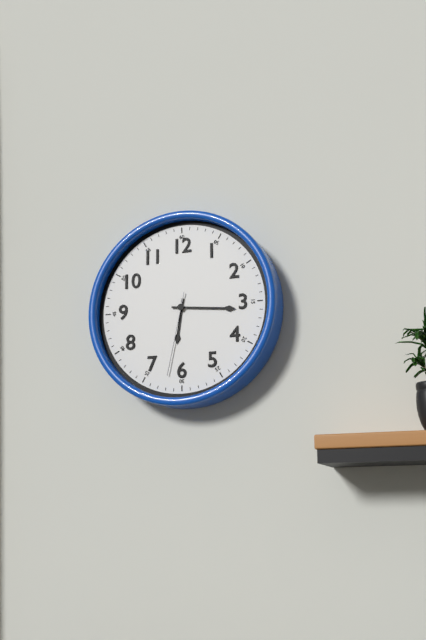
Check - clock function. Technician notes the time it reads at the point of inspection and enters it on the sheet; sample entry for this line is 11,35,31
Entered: 6,16,32
